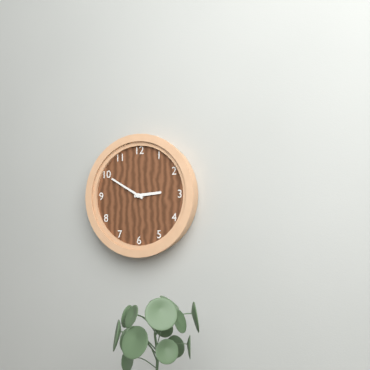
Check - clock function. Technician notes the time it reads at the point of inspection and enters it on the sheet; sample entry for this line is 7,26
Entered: 2,50
